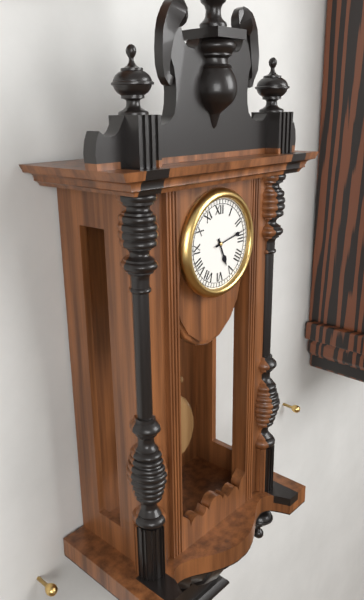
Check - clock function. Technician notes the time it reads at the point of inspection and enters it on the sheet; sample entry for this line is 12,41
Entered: 5,13
